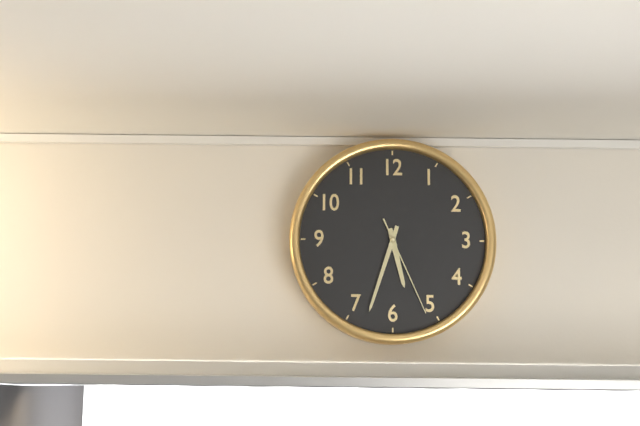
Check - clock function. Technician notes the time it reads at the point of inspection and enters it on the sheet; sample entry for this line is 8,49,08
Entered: 5,33,26
